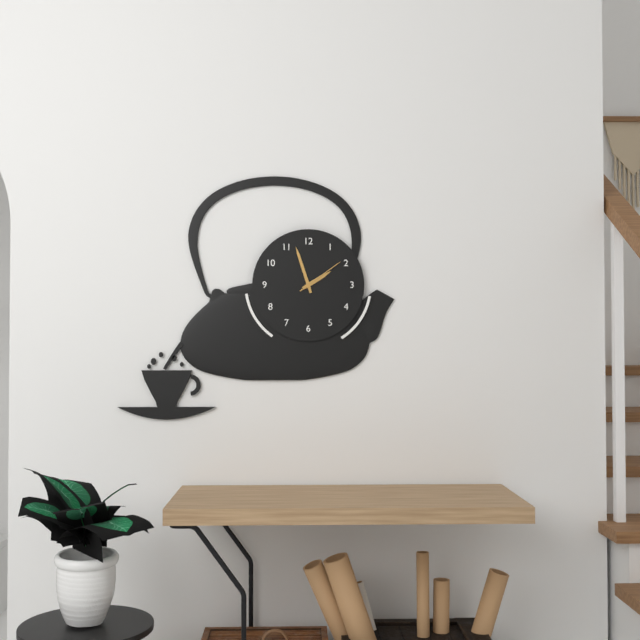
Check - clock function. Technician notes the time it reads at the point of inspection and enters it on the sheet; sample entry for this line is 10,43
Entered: 1,57
